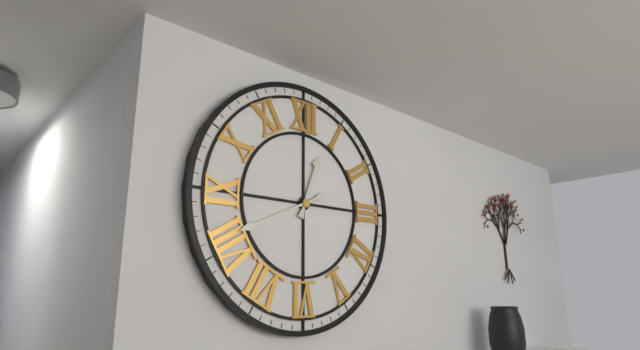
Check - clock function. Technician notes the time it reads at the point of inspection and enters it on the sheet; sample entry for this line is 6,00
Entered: 12,41
